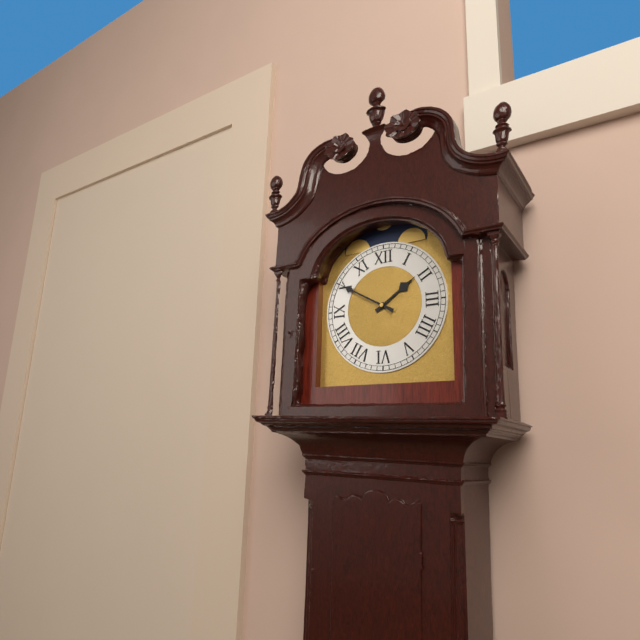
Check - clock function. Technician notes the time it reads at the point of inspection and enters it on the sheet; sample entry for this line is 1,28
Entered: 1,50
